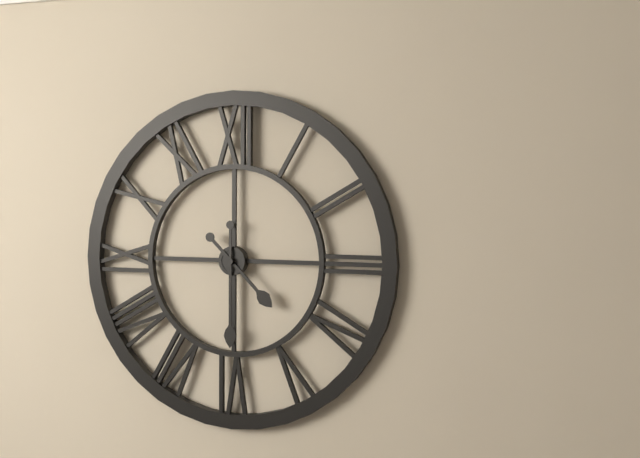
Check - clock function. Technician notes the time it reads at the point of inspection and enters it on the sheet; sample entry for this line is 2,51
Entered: 4,30
